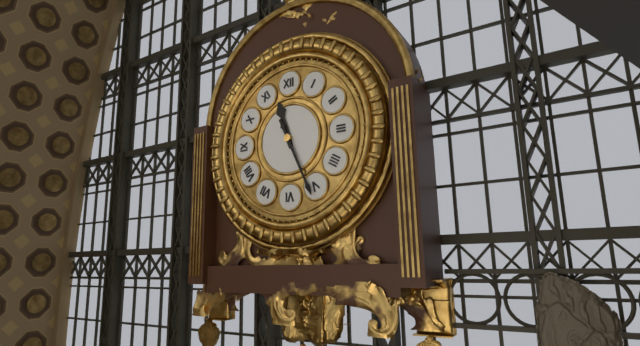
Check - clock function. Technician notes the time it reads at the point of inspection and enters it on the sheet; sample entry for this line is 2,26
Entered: 11,26
